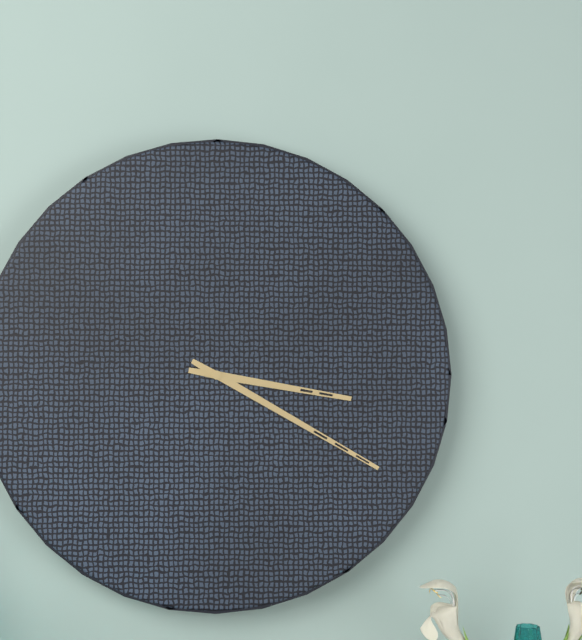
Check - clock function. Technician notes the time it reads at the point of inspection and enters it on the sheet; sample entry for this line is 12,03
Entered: 3,20
